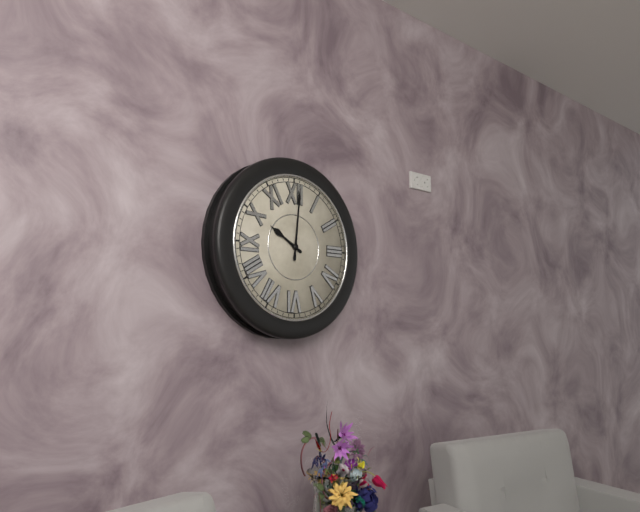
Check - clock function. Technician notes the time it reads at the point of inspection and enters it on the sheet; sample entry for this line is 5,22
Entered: 10,01
